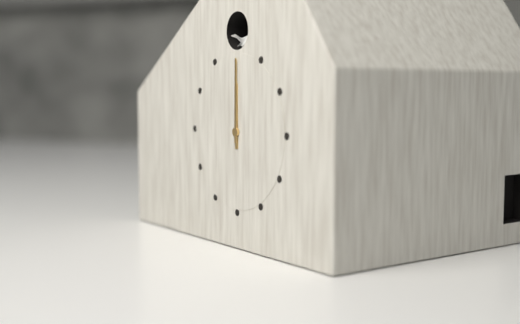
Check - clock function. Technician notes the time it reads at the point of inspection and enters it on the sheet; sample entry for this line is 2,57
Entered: 12,00
